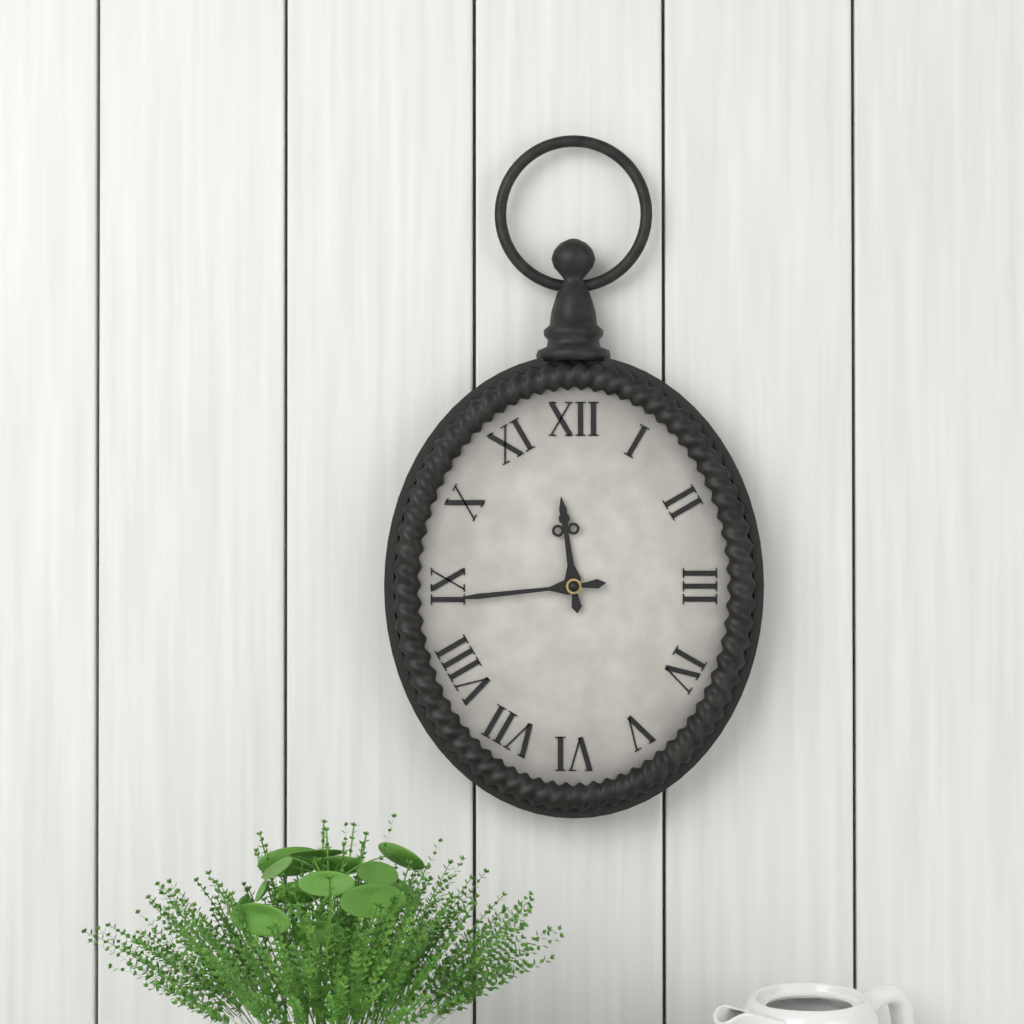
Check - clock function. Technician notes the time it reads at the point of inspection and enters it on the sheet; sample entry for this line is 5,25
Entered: 11,44
